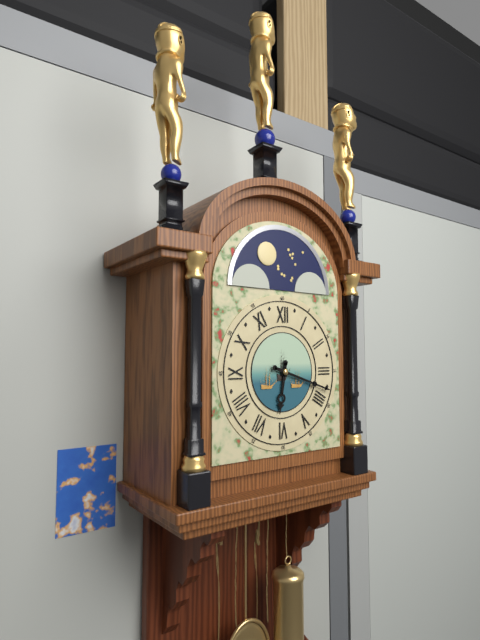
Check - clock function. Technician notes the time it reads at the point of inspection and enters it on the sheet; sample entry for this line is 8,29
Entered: 6,18
